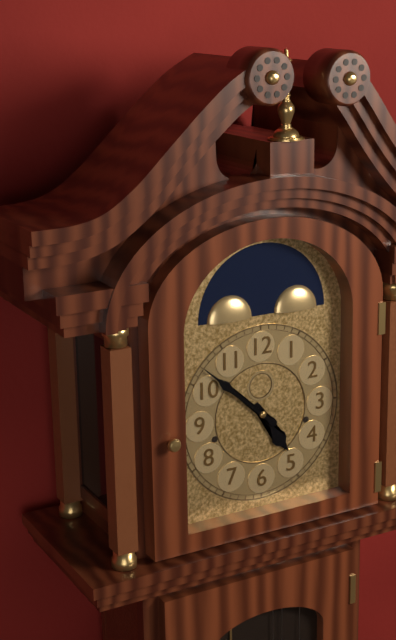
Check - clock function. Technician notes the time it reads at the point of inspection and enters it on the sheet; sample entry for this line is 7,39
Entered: 4,52
